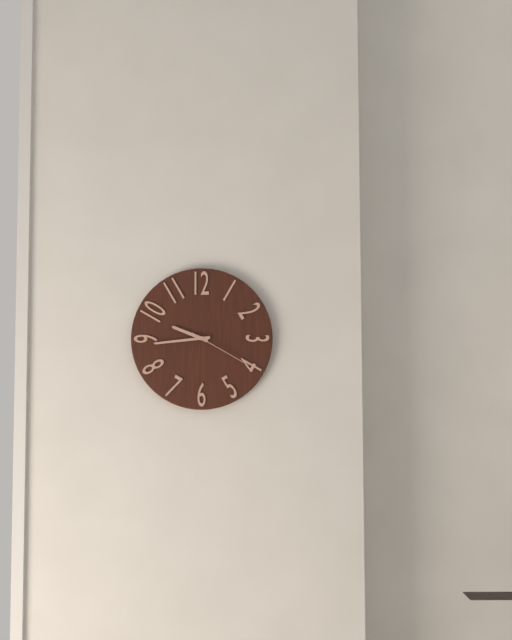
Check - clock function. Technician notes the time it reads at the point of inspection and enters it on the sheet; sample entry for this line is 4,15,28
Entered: 9,44,20
